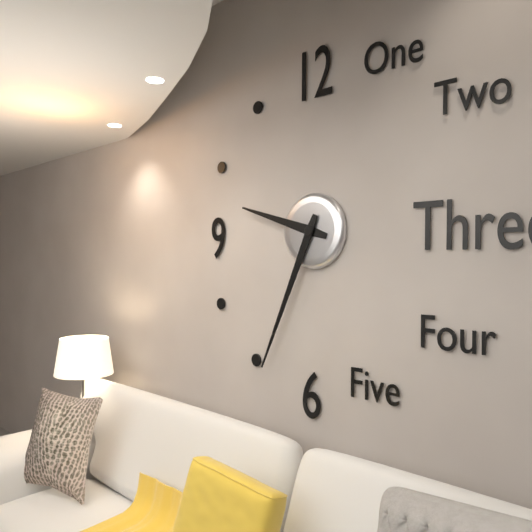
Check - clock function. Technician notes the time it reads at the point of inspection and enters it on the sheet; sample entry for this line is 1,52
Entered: 9,34
